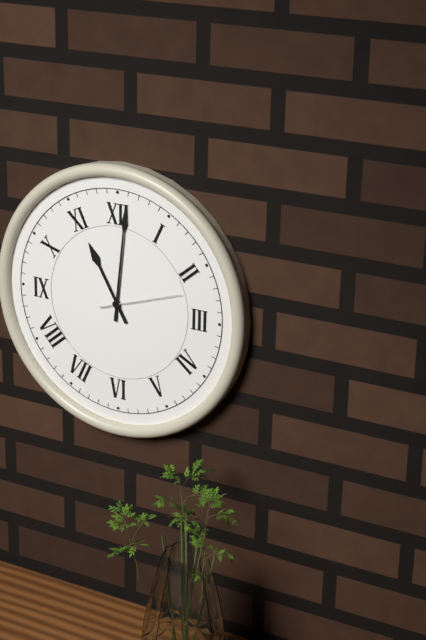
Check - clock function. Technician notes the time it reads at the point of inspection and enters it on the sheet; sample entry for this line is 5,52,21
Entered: 11,01,12
